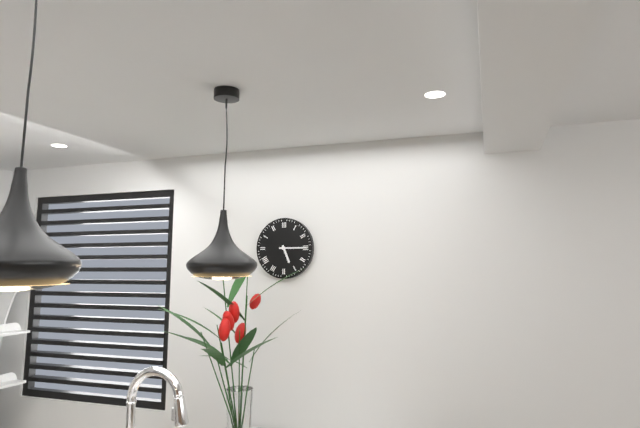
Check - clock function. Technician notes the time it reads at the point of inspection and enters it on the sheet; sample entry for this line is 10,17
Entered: 5,15
